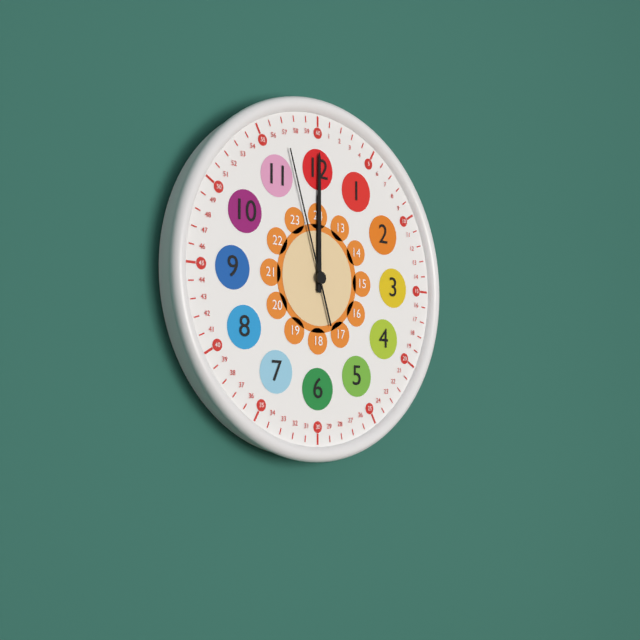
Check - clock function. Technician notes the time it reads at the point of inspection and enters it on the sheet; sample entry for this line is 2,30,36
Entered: 12,00,57
